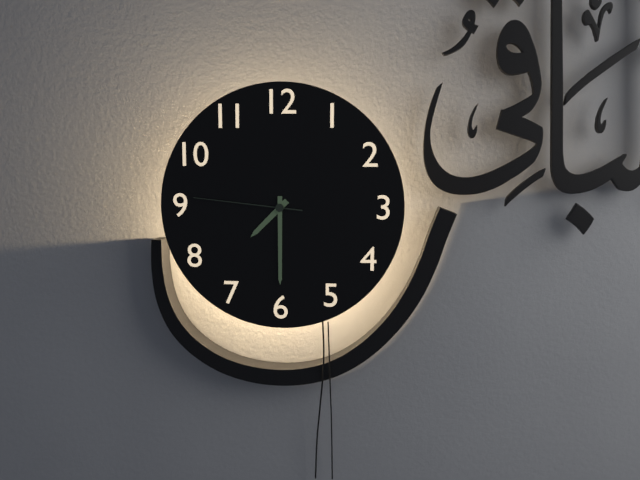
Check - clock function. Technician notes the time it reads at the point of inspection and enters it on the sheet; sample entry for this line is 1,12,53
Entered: 7,30,46
